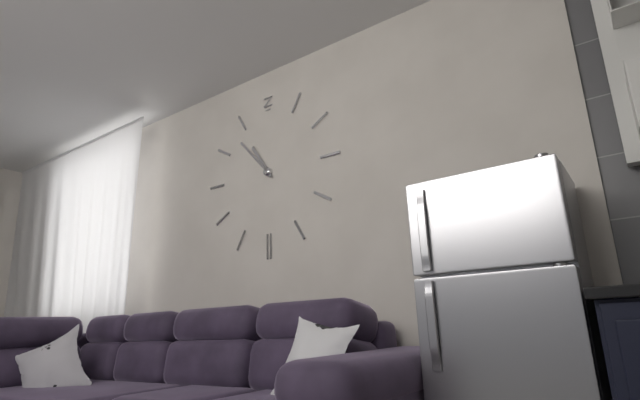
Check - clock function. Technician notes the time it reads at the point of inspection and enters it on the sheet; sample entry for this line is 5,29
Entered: 10,53
